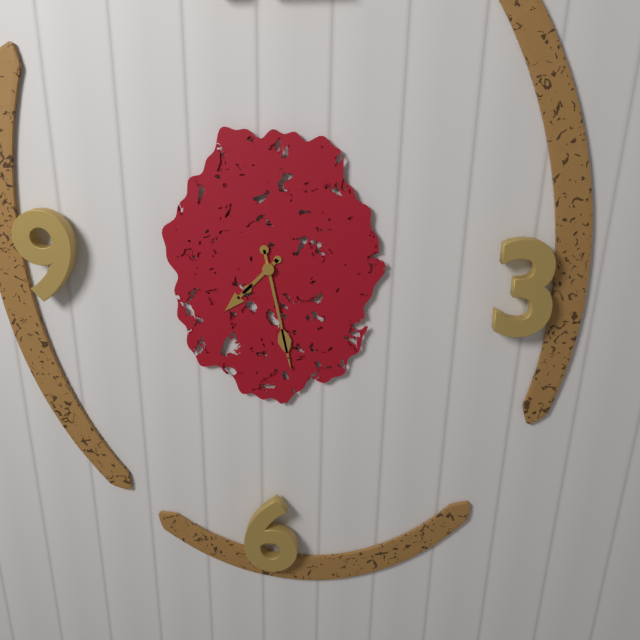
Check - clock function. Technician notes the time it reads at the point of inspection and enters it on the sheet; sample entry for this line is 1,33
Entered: 7,28
